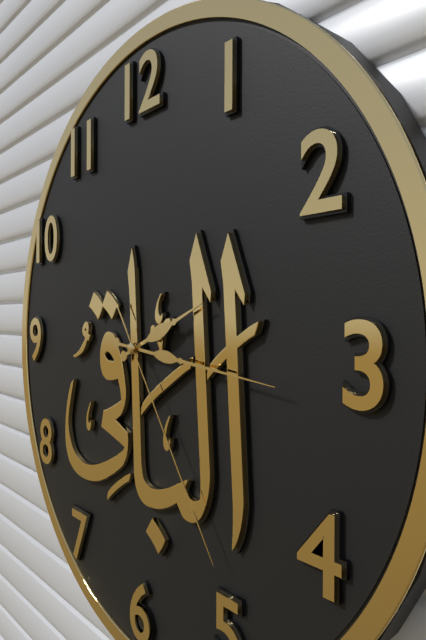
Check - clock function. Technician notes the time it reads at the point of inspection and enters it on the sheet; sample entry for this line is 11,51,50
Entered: 2,16,24
